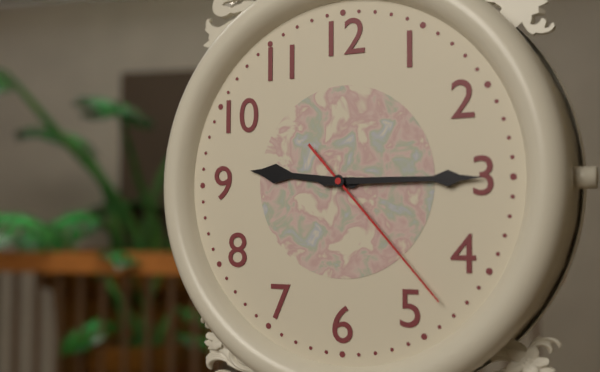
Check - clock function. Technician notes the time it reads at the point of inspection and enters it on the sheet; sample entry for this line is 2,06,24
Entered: 9,15,23
